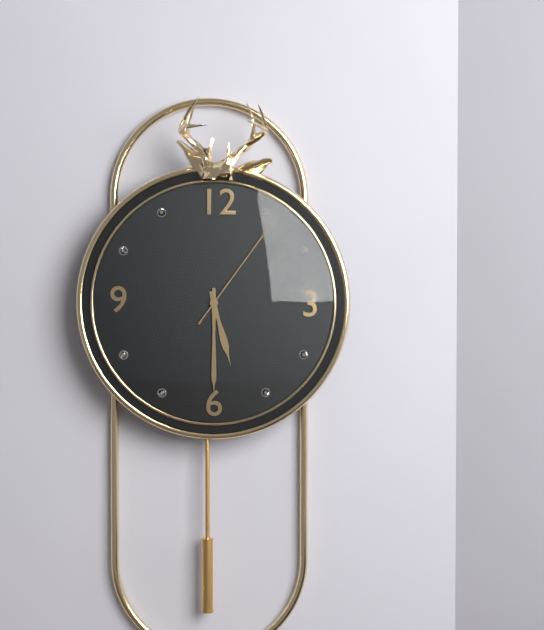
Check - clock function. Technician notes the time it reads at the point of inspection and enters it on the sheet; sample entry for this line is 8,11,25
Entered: 5,30,06
